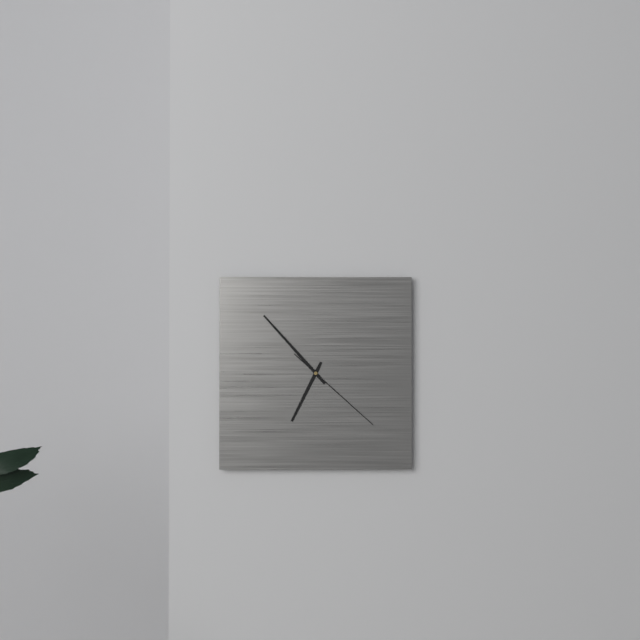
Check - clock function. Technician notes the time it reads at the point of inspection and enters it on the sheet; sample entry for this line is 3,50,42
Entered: 6,53,22
